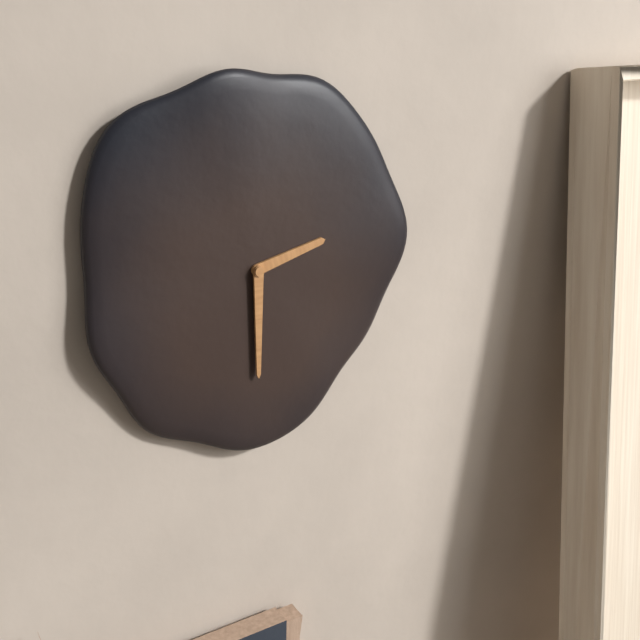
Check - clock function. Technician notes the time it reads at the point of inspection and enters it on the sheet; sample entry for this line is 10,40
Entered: 2,30
